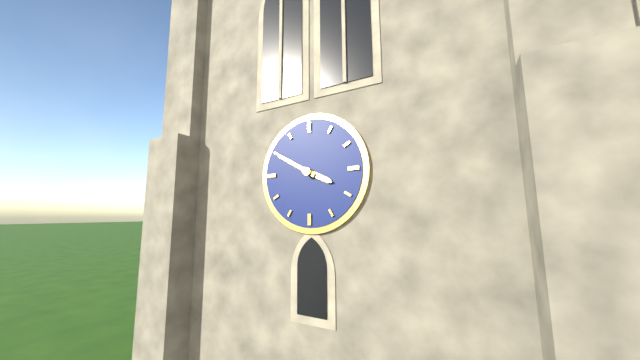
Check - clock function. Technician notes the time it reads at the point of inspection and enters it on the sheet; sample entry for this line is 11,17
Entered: 3,50
